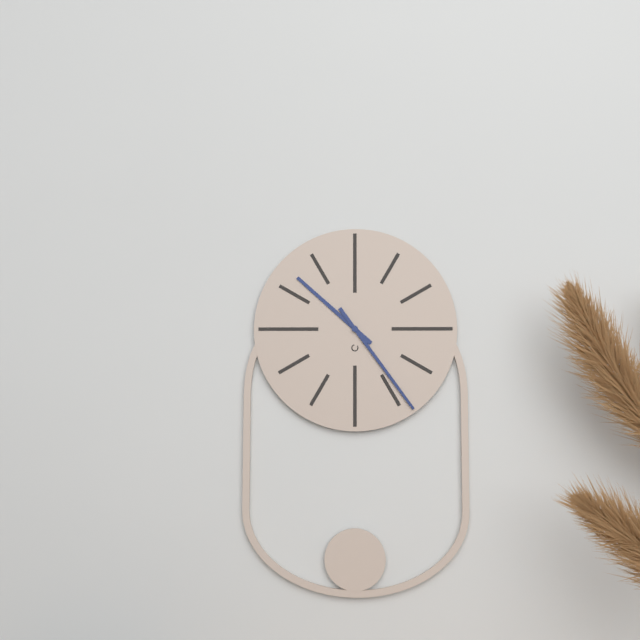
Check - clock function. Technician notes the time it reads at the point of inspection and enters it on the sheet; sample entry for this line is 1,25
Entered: 10,24
